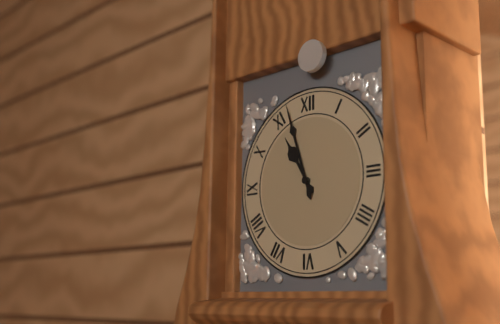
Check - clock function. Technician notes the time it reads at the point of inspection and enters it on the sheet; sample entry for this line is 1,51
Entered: 10,57
